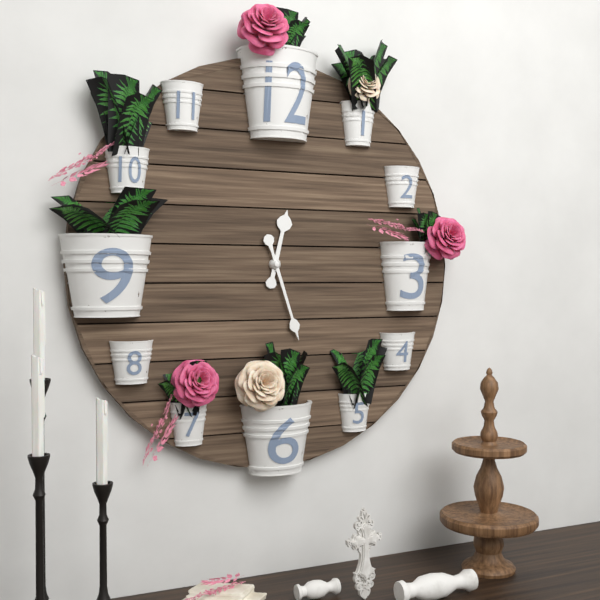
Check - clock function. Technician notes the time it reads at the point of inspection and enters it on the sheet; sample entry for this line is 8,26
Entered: 12,27
